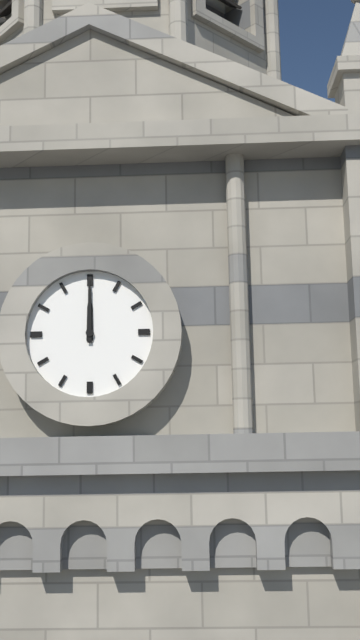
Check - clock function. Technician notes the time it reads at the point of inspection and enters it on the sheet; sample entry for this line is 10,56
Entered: 12,00
